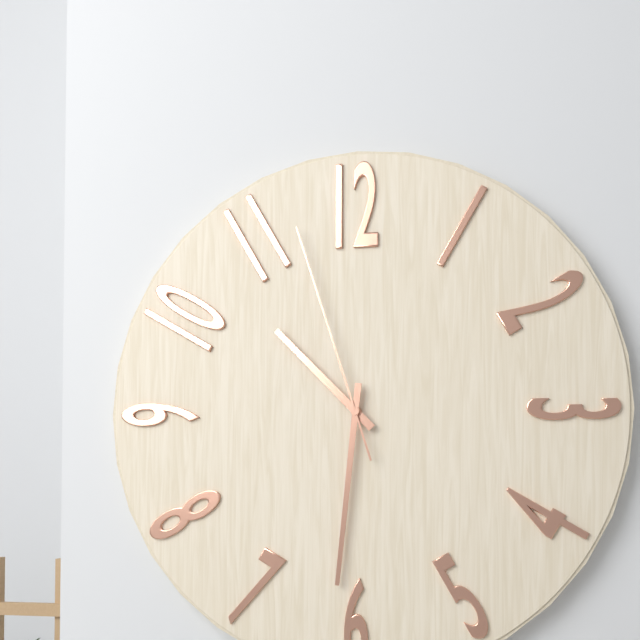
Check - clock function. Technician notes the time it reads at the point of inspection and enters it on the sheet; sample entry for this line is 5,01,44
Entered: 10,31,57
